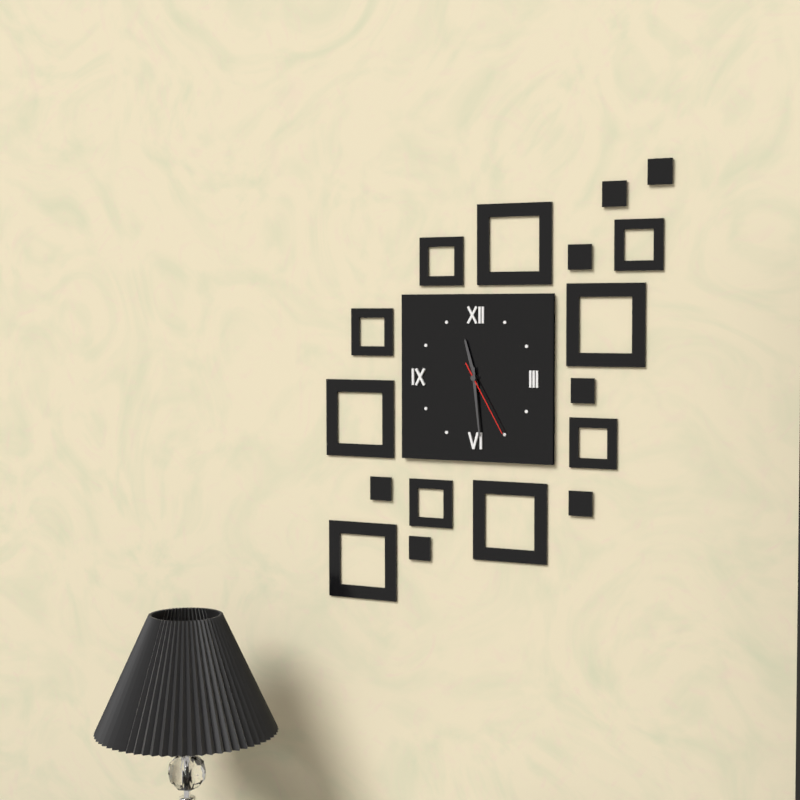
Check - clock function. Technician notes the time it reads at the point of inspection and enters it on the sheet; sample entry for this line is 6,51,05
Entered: 11,29,25
